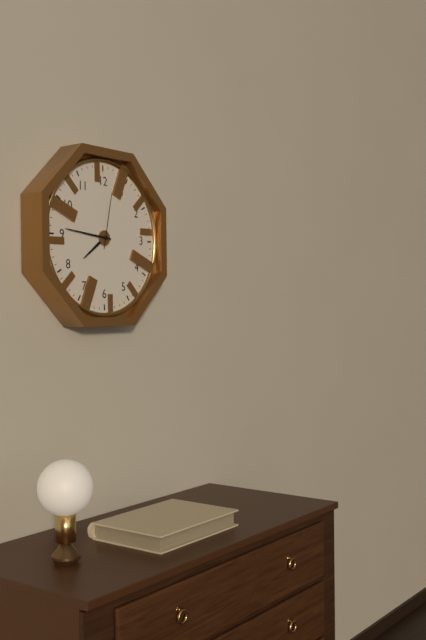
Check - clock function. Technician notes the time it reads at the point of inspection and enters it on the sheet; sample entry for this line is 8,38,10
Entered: 7,46,02
